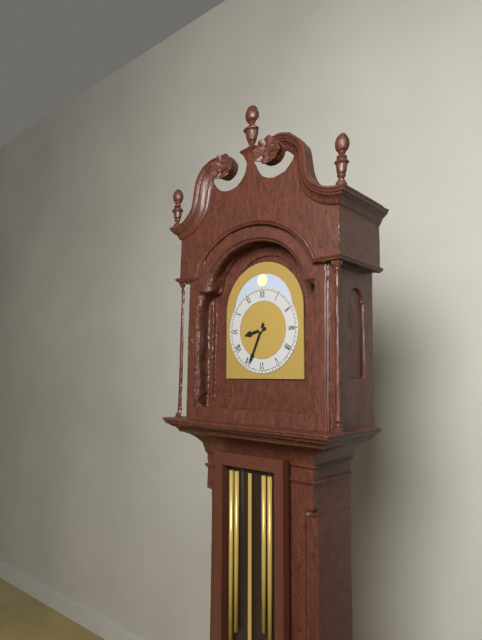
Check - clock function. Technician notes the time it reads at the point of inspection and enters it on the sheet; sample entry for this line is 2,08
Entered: 8,34
